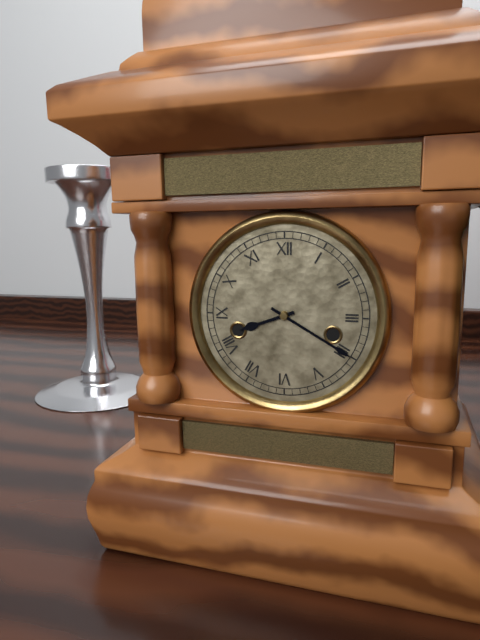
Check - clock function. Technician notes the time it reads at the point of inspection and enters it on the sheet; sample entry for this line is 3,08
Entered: 8,20
